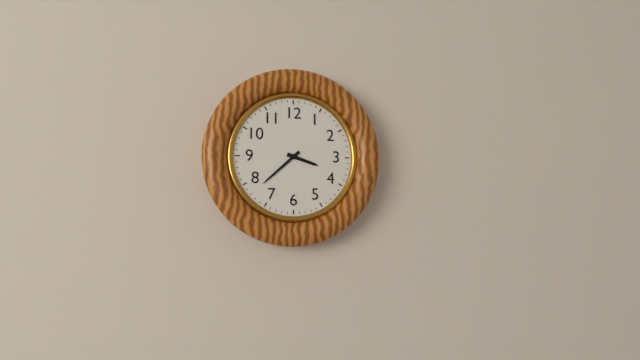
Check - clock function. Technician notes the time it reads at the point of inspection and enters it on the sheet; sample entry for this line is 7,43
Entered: 3,38
